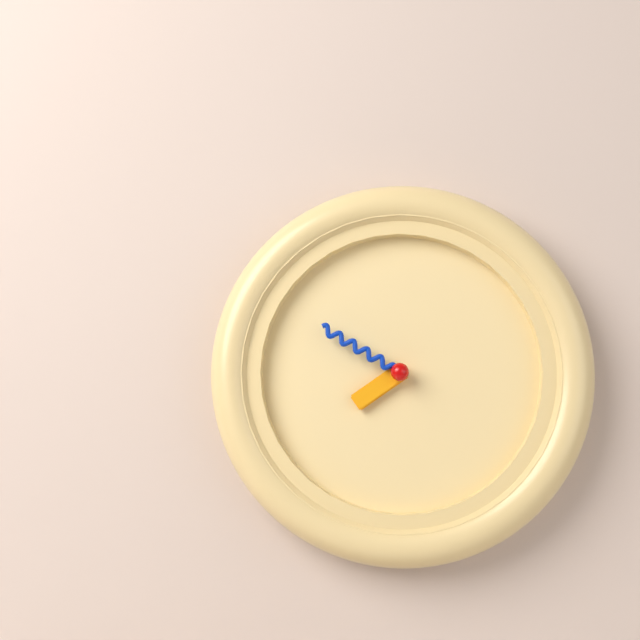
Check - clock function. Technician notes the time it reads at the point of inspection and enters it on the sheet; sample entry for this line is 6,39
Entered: 7,50
